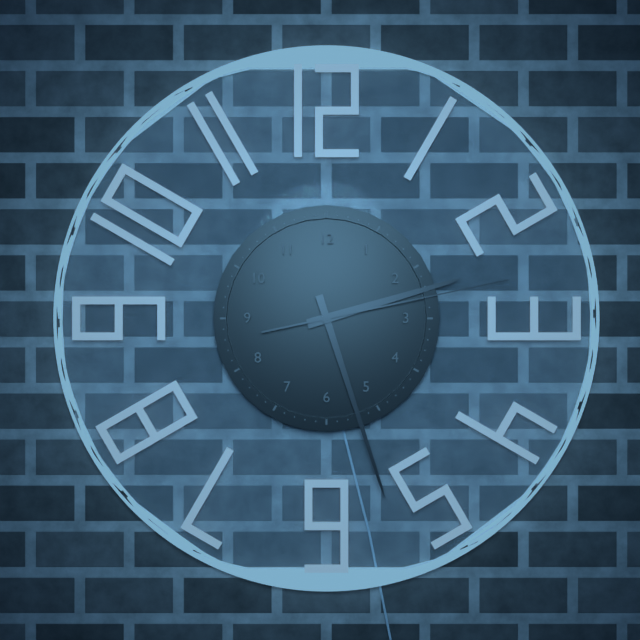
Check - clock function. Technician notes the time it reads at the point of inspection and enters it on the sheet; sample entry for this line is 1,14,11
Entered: 2,27,13
